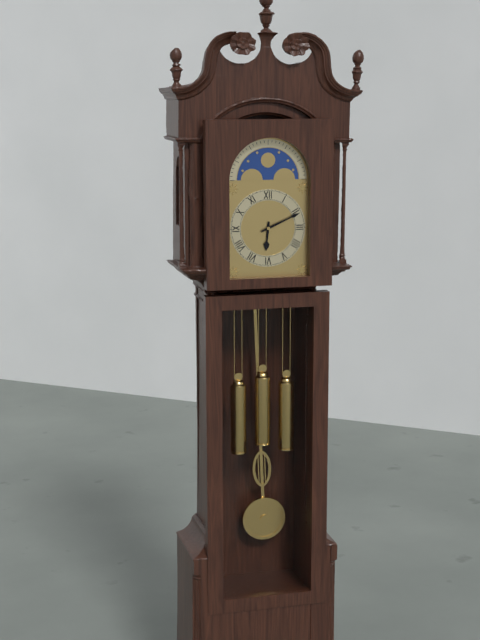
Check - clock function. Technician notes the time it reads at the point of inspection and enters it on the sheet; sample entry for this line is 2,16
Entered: 6,11
